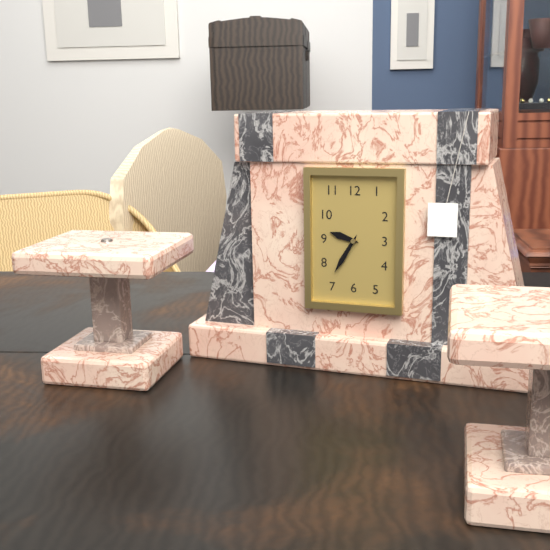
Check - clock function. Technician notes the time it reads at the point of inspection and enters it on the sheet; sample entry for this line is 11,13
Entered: 9,35
